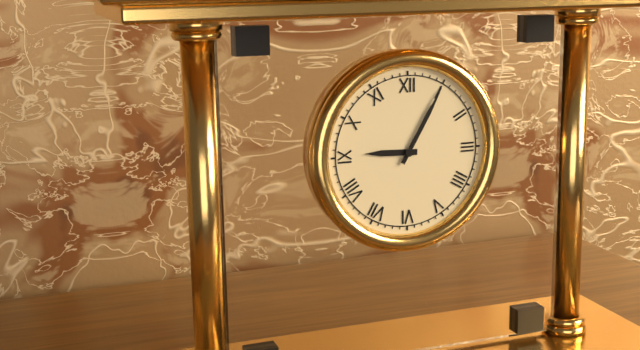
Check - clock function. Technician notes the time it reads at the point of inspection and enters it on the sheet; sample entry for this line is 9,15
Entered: 9,05
